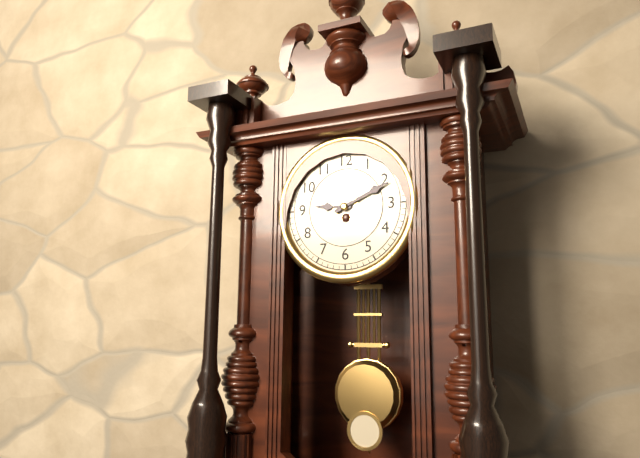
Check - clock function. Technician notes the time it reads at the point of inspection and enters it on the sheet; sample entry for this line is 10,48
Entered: 9,11
